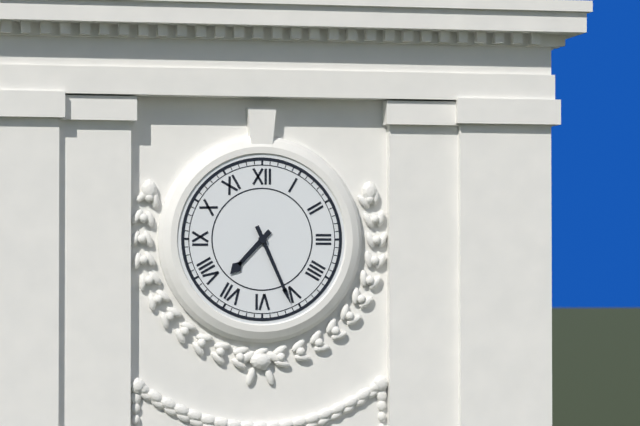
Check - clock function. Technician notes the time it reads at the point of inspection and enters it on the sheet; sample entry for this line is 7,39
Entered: 7,26
